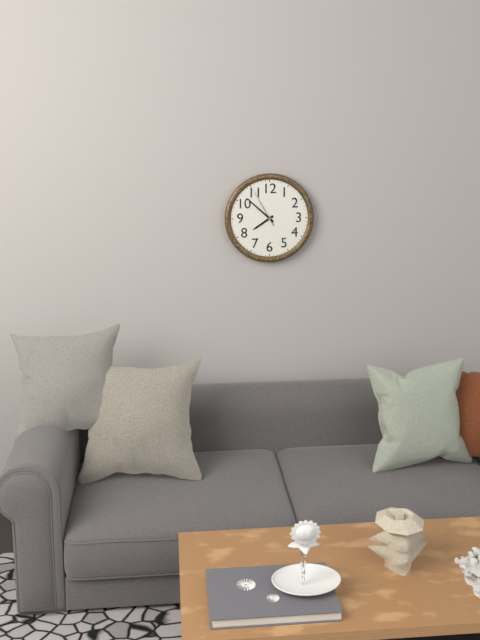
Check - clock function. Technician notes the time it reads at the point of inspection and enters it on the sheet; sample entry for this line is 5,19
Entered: 7,52
